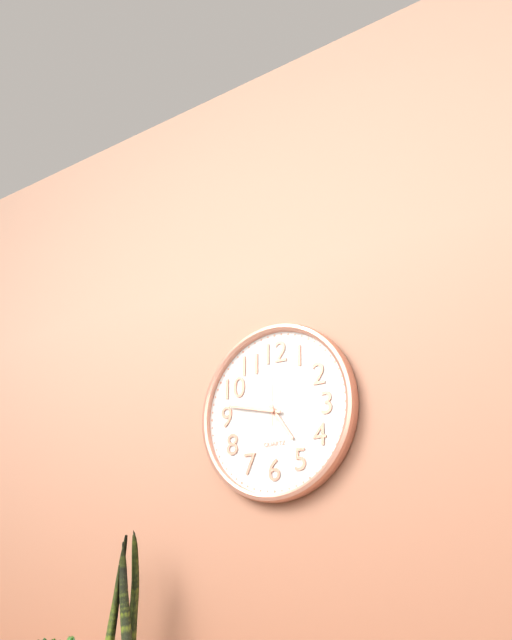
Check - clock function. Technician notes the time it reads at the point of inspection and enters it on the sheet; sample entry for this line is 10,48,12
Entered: 4,47,00
